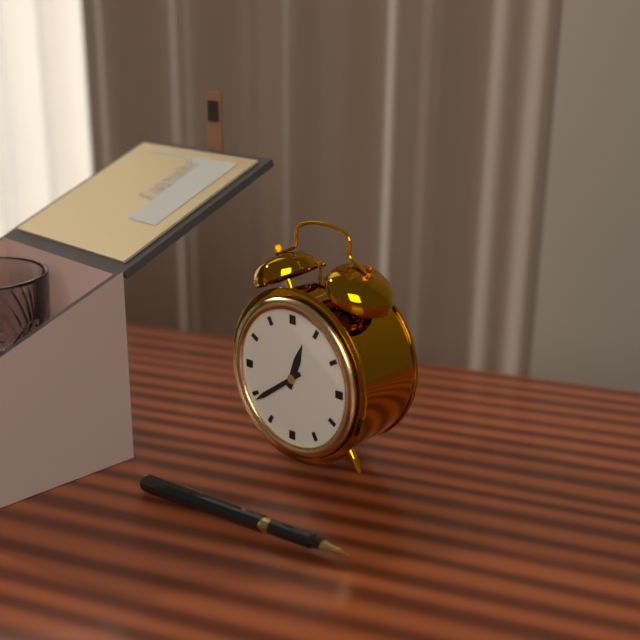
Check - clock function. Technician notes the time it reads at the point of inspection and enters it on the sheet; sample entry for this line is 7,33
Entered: 12,39
